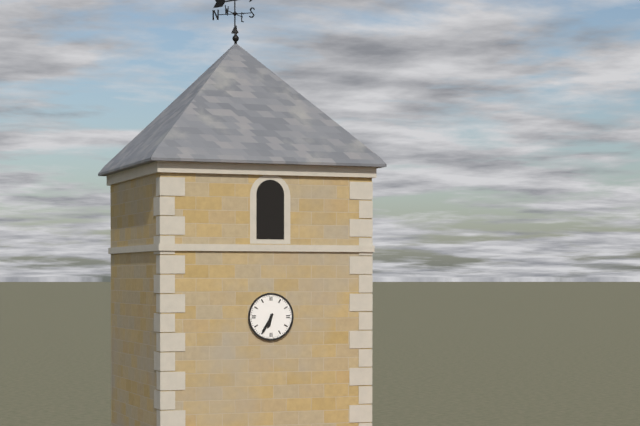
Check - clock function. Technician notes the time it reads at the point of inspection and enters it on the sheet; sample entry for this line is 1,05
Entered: 6,35
